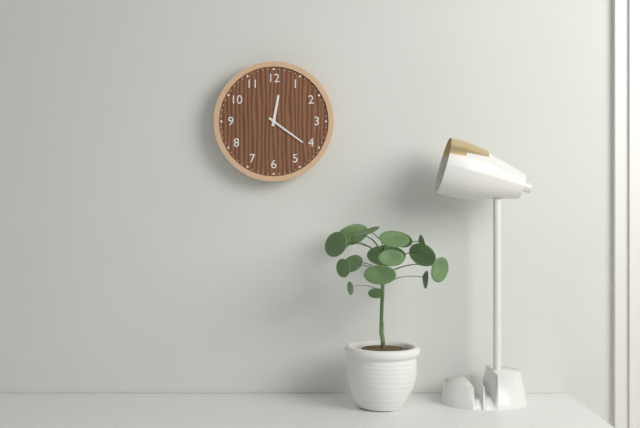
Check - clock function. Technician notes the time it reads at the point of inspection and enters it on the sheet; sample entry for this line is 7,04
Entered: 12,21
